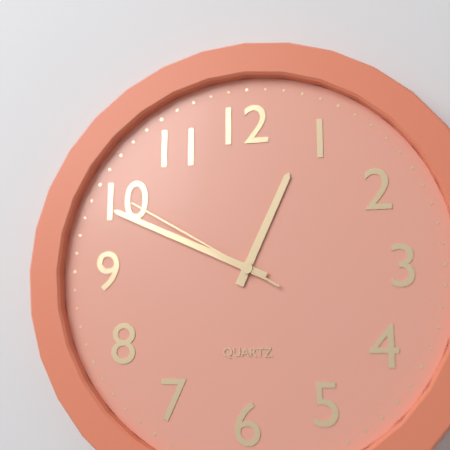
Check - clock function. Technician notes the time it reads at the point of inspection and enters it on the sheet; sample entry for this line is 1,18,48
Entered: 12,49,50
